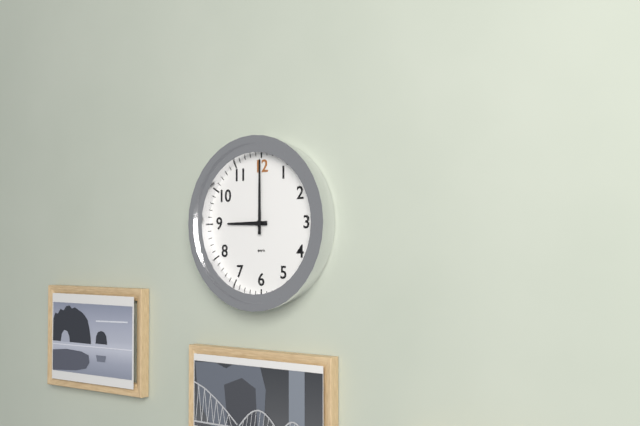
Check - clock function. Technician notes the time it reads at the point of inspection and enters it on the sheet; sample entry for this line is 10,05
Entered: 9,00
